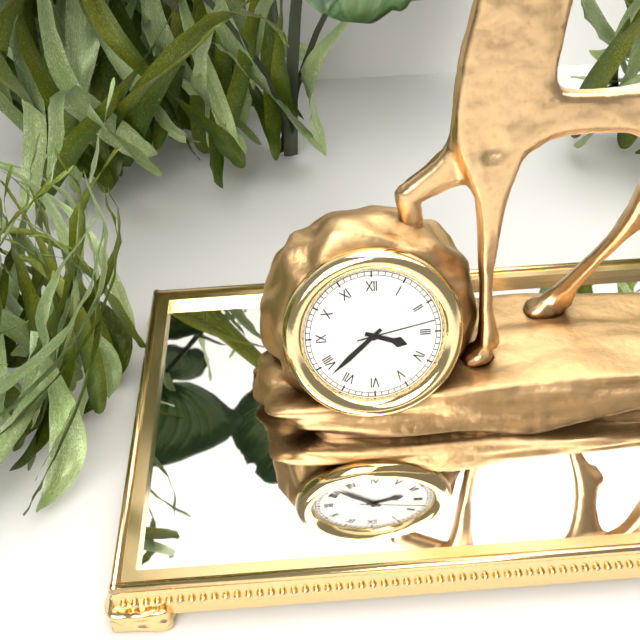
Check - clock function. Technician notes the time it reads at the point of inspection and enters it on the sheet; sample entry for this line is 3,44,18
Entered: 3,38,13
